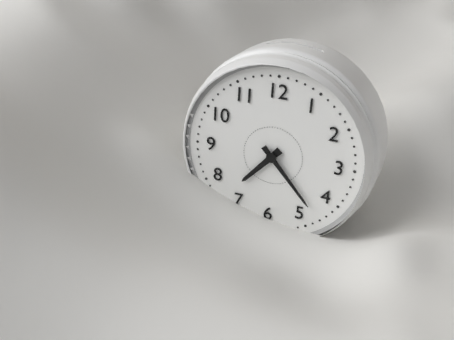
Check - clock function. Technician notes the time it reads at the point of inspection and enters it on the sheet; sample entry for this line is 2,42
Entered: 7,23
